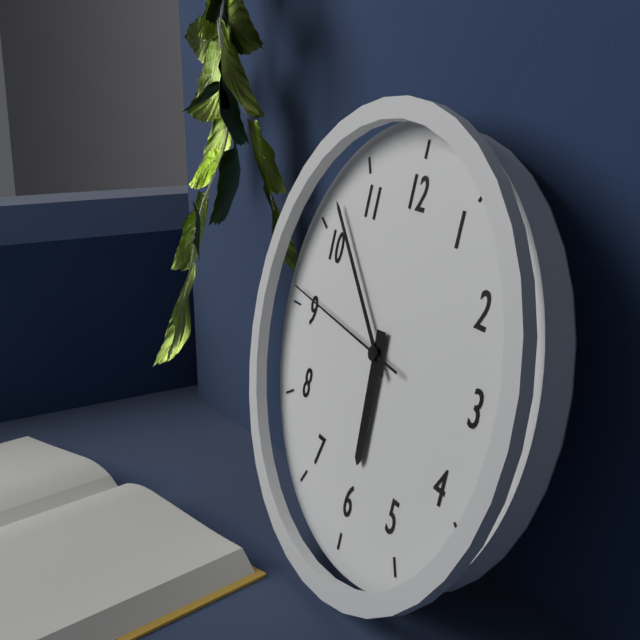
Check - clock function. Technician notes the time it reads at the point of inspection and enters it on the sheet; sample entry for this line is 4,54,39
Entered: 5,52,46
